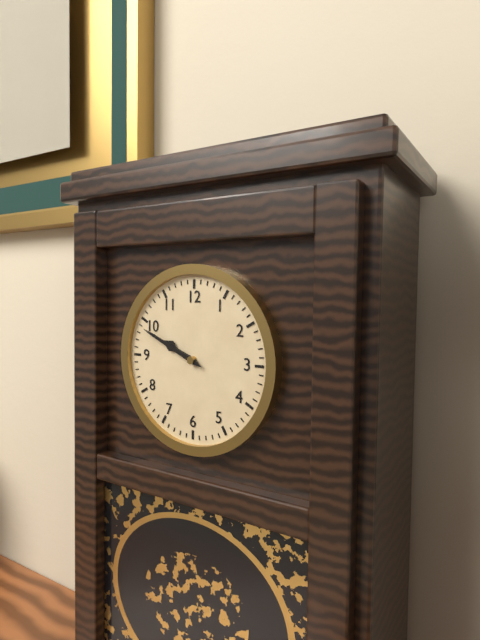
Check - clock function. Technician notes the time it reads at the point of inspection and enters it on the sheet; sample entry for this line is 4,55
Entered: 9,49
